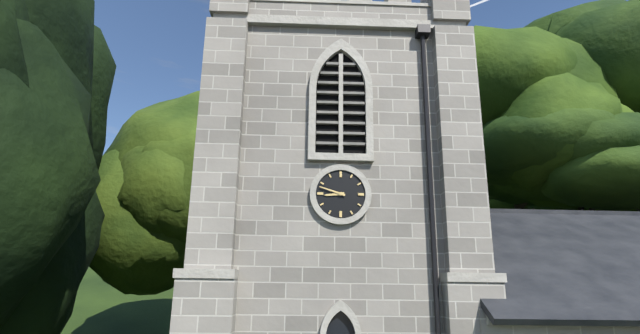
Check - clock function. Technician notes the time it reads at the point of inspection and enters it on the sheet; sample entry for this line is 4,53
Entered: 8,48
